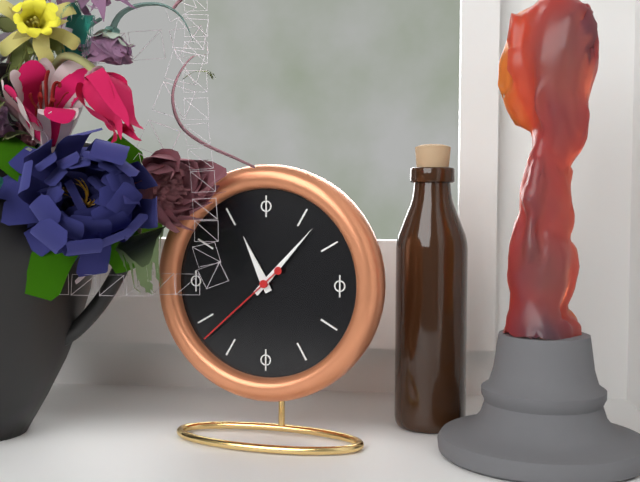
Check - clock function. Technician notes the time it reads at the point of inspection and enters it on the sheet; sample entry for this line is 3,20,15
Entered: 11,07,38
